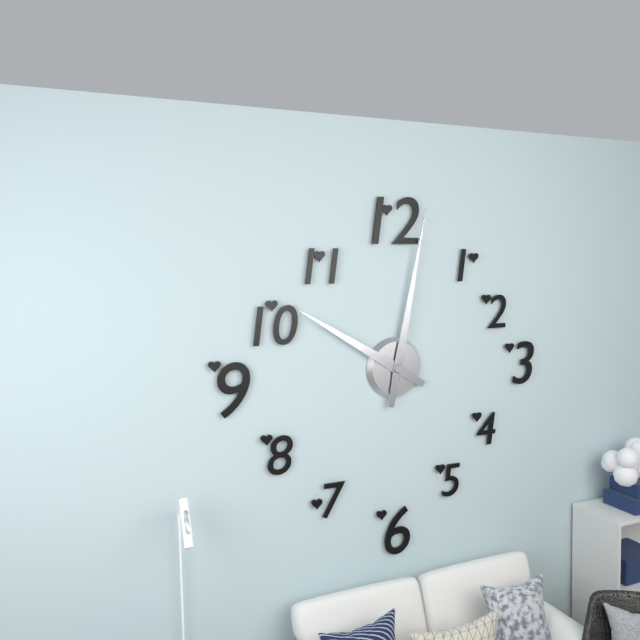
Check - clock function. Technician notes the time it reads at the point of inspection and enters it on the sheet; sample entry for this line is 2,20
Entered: 10,02
